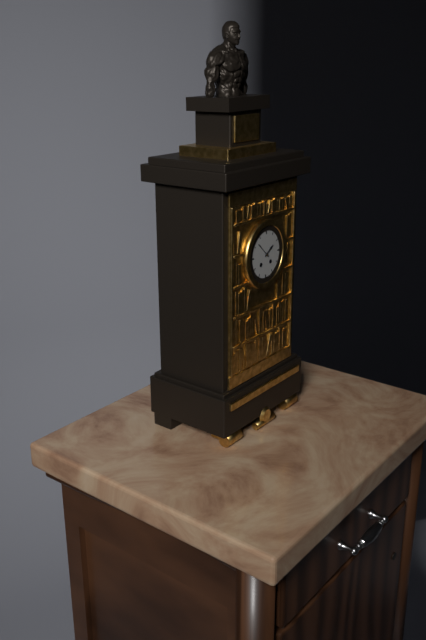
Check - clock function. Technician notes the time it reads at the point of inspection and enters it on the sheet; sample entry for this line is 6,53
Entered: 1,52
